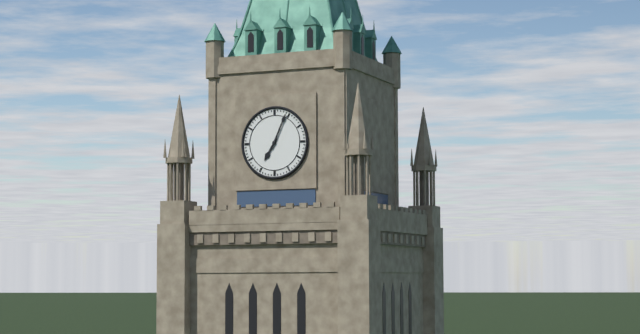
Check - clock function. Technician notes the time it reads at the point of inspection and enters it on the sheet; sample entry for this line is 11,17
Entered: 7,04
